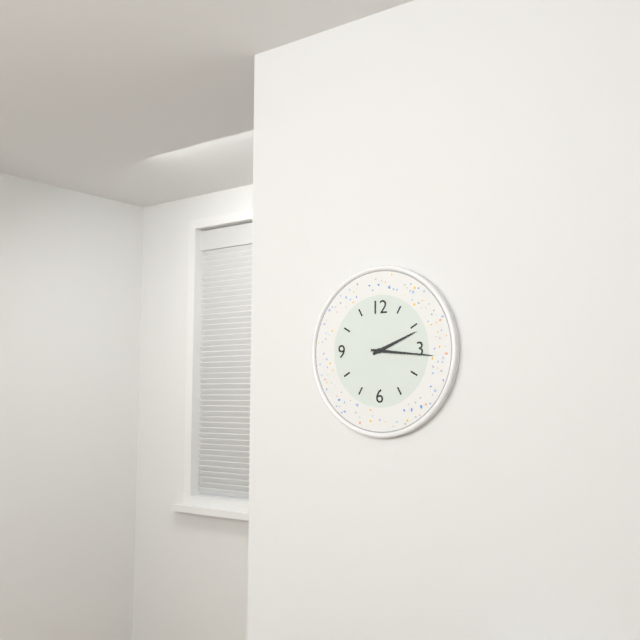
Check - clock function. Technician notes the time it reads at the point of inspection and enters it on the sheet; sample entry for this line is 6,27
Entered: 2,16
